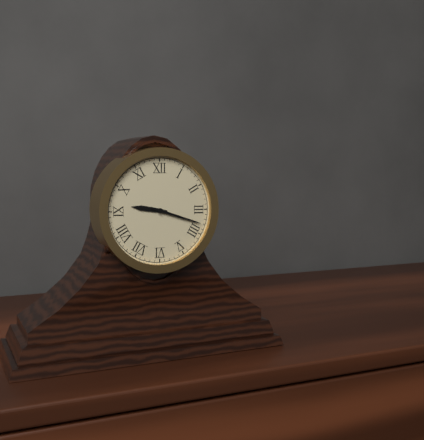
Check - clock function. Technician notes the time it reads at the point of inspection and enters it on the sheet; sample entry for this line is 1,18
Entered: 9,18
